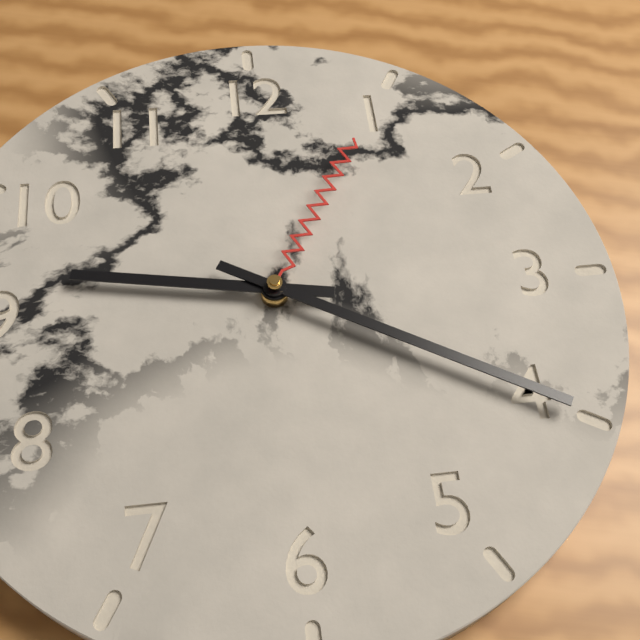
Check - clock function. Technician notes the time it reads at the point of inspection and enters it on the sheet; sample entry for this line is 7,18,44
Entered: 9,20,05
